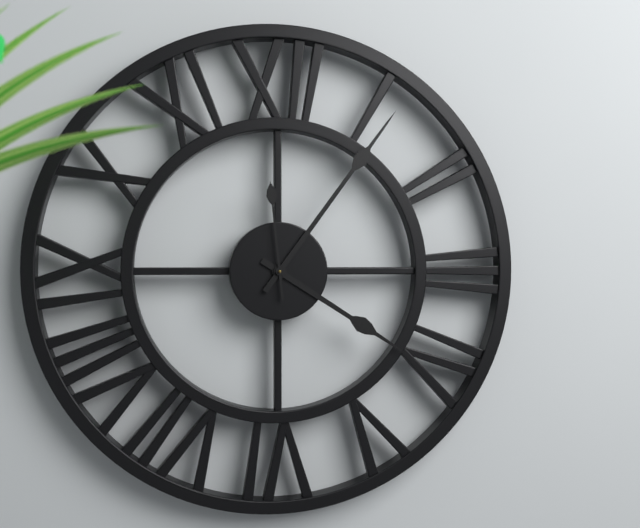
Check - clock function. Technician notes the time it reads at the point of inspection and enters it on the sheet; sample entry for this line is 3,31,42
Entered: 4,06,59
